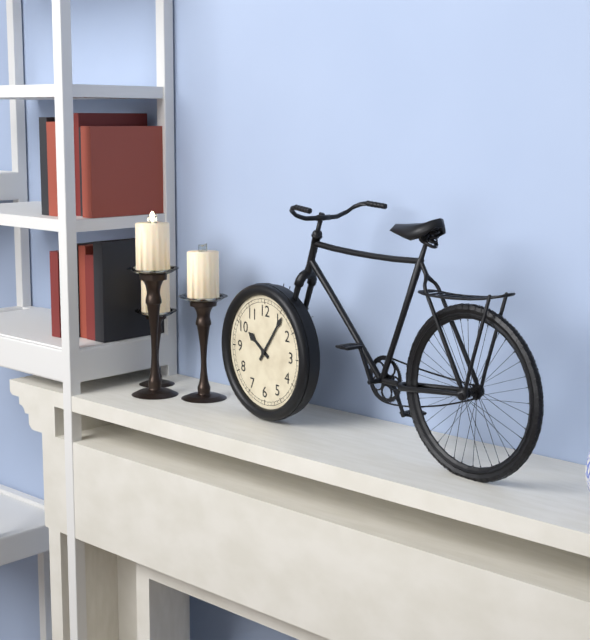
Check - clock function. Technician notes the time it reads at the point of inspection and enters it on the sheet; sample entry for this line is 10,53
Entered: 10,06
